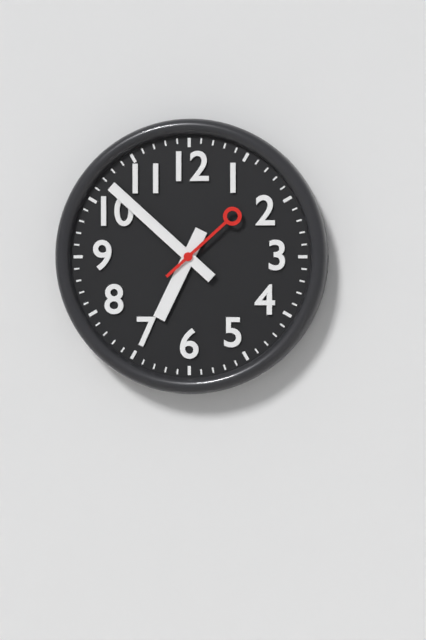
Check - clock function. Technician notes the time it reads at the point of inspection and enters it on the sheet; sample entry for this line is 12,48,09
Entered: 6,52,08
